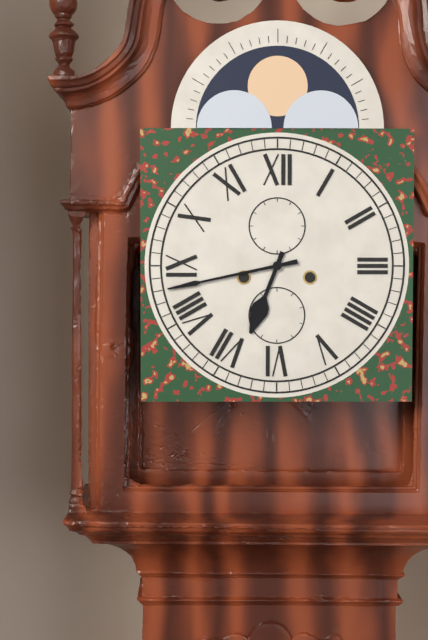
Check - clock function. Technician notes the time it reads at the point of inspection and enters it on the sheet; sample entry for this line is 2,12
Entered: 6,43
